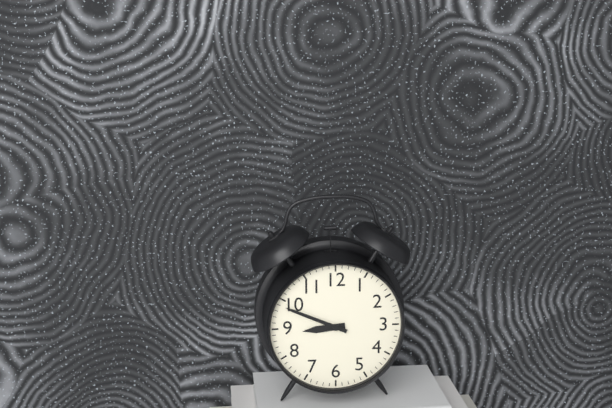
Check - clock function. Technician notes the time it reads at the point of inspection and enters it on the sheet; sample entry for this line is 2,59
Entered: 8,49
